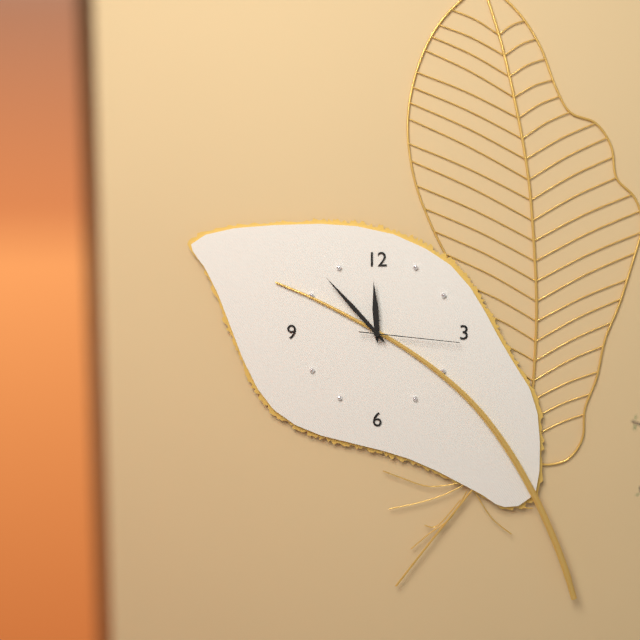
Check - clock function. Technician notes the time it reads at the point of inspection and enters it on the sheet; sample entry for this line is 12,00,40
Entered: 11,53,16
